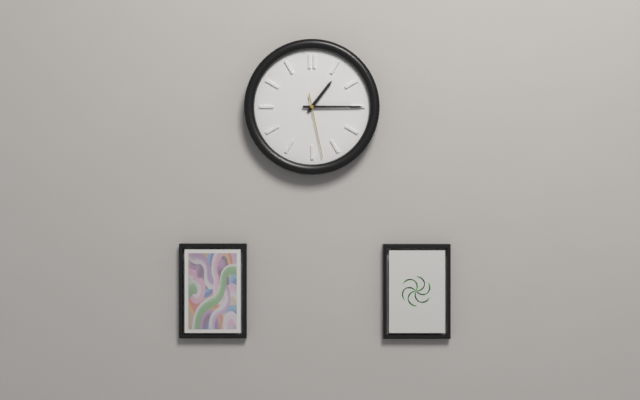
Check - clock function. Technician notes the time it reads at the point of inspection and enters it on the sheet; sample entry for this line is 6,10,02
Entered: 1,15,28
